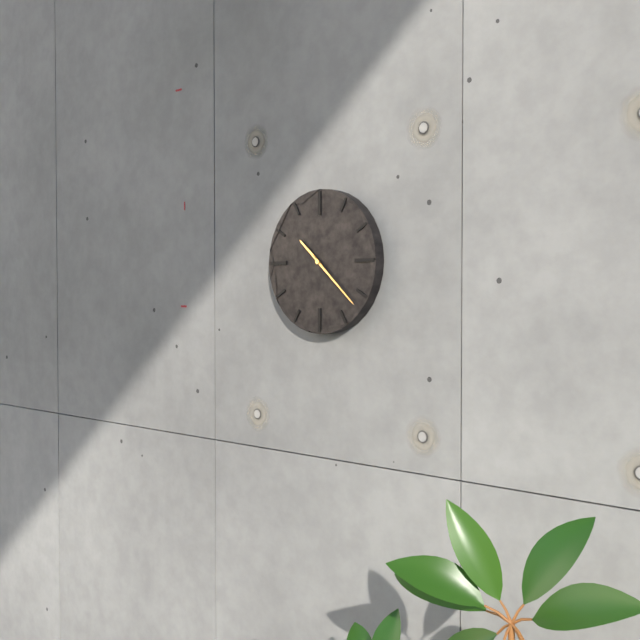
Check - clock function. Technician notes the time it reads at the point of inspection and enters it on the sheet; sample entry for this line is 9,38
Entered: 10,22
